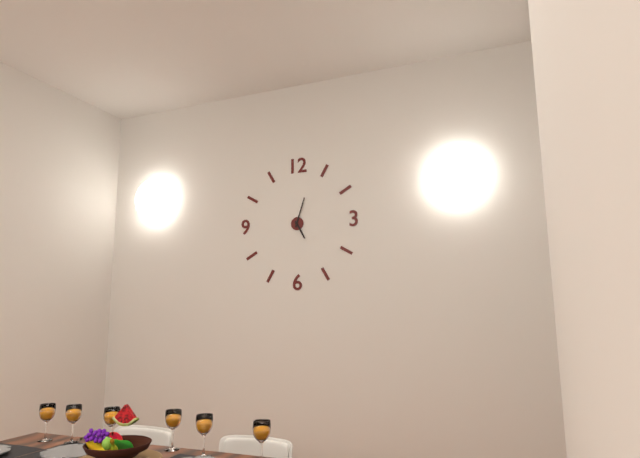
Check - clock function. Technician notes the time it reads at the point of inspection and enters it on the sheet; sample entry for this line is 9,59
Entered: 5,03
